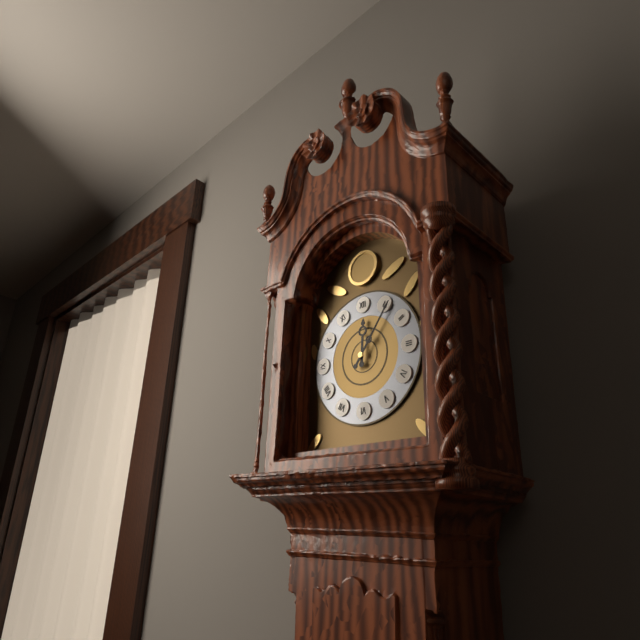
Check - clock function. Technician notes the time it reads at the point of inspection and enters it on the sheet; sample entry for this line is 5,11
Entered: 12,06
